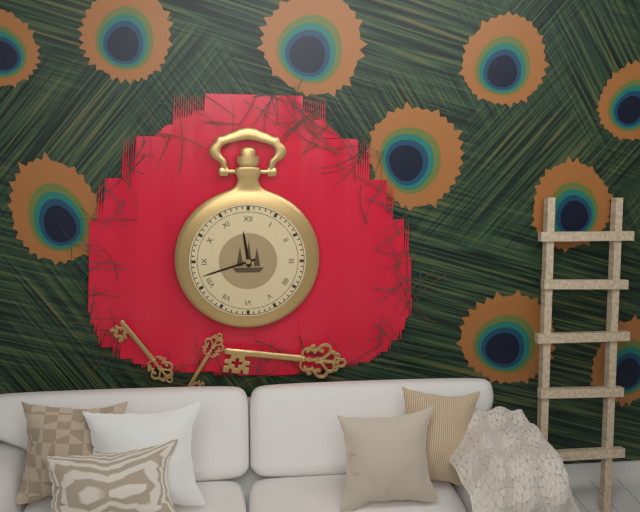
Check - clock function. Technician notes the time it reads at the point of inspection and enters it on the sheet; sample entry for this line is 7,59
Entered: 11,42
